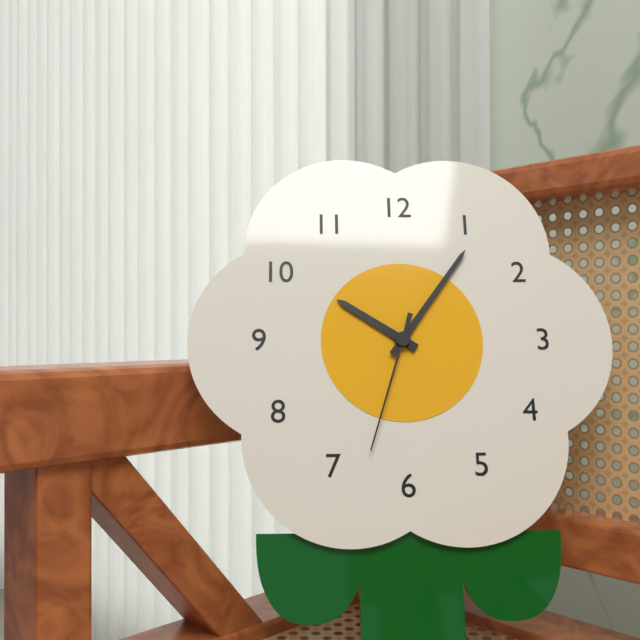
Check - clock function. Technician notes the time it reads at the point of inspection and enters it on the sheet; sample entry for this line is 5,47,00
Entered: 10,06,33
